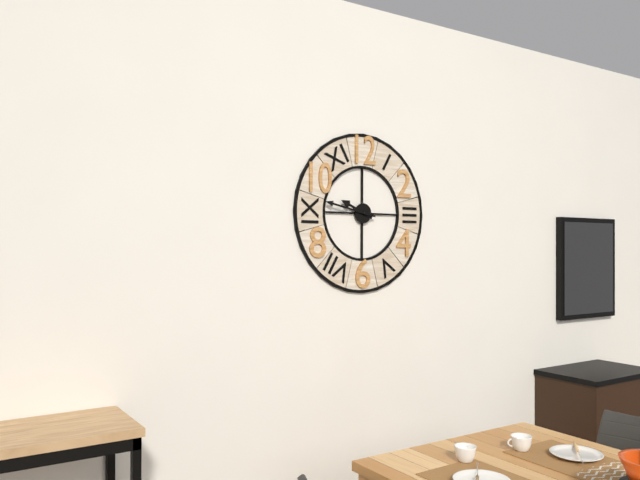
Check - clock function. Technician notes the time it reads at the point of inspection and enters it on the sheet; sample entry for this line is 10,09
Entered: 9,47
